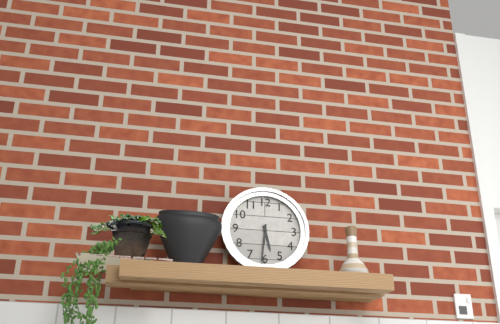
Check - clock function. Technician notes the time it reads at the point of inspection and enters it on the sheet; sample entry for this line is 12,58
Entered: 5,31
